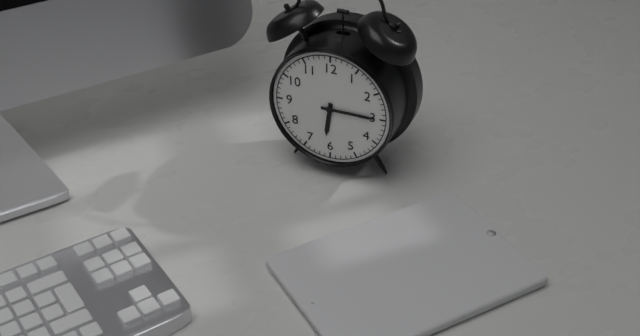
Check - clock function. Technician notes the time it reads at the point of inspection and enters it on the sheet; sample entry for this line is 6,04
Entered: 6,15
